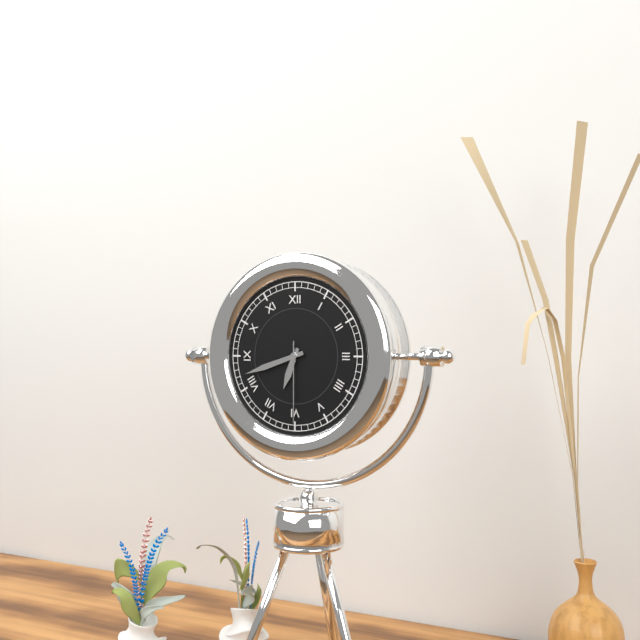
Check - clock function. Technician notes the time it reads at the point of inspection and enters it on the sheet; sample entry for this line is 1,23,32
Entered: 6,42,30
